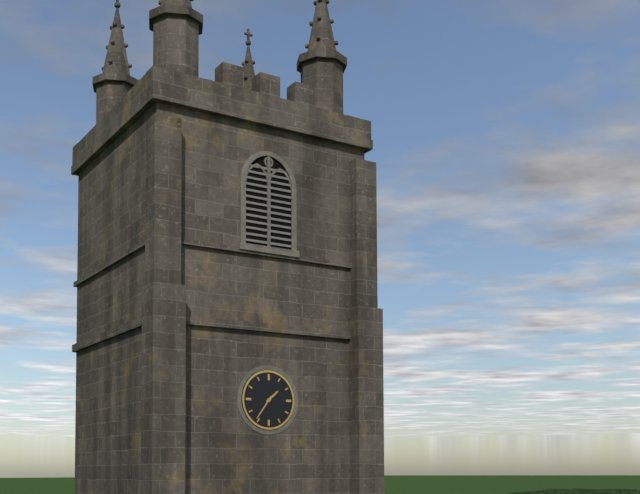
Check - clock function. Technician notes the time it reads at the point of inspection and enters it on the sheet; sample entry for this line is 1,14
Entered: 1,36
